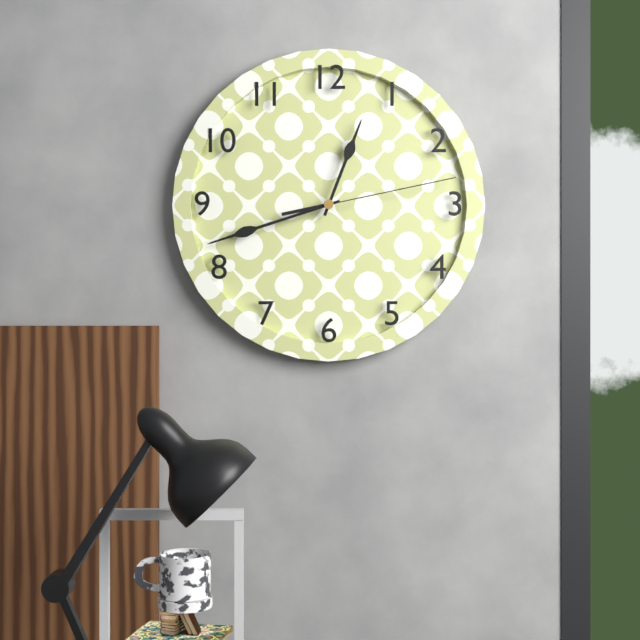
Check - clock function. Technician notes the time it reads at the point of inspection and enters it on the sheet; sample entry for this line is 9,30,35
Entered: 12,42,13
